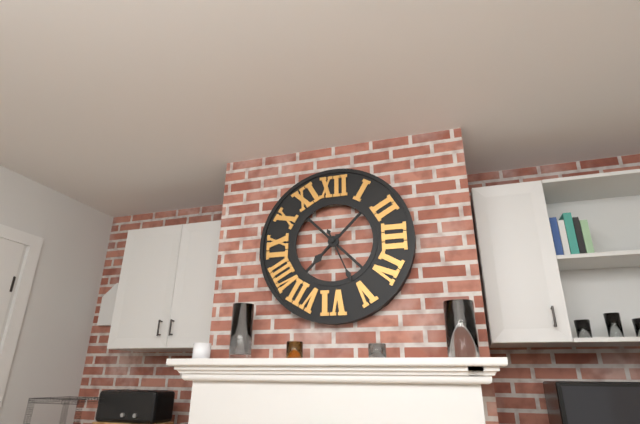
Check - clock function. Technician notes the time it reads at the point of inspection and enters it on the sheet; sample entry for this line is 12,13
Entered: 7,26
